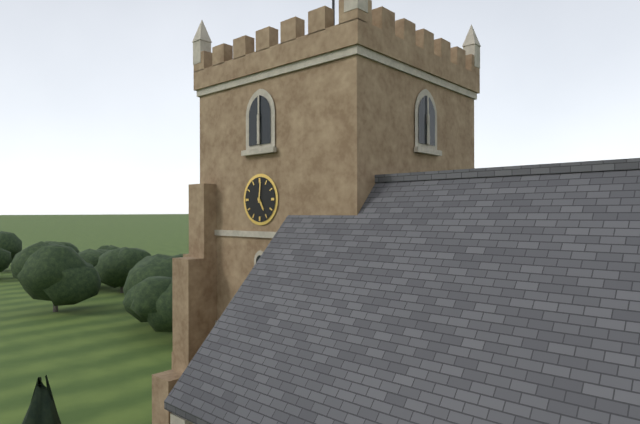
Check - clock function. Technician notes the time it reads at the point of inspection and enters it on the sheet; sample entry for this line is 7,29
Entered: 5,01
